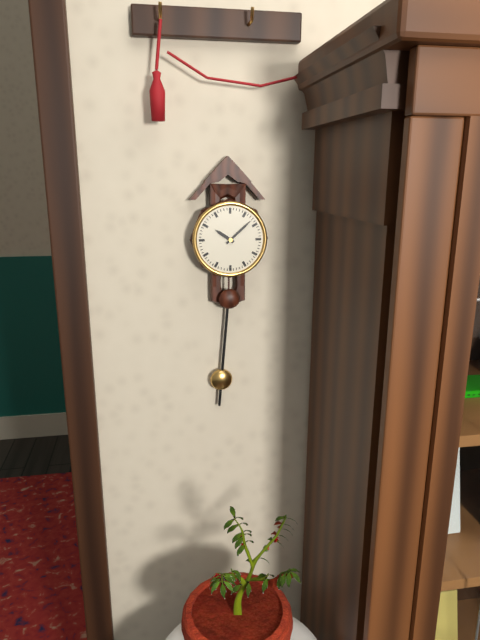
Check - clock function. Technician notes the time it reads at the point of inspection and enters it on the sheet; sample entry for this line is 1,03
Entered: 10,08
